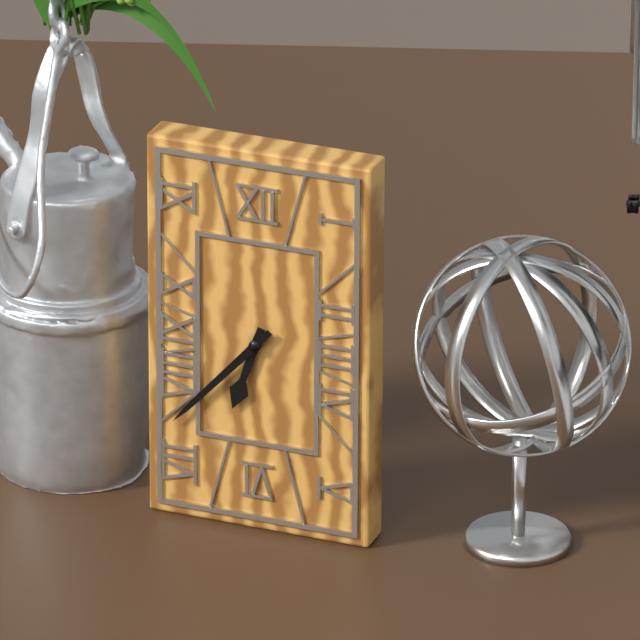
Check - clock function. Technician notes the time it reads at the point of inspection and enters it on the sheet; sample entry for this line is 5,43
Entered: 6,37
